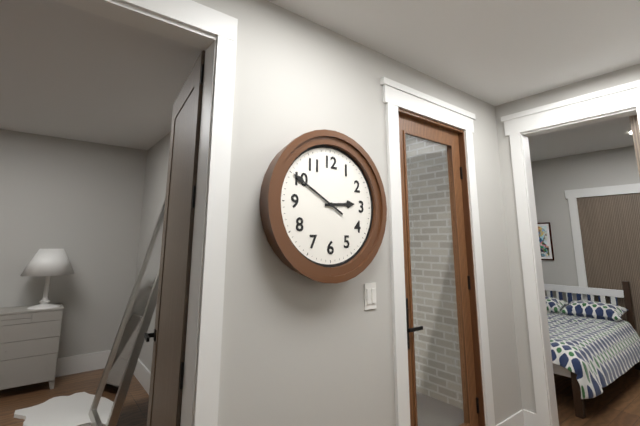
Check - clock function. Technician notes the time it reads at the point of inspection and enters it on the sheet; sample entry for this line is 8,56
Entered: 2,50
